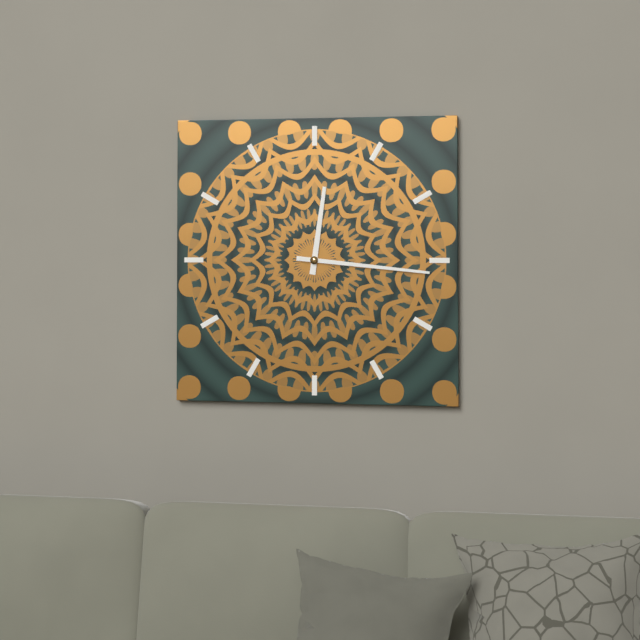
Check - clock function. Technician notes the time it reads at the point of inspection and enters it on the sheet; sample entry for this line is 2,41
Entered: 12,16
